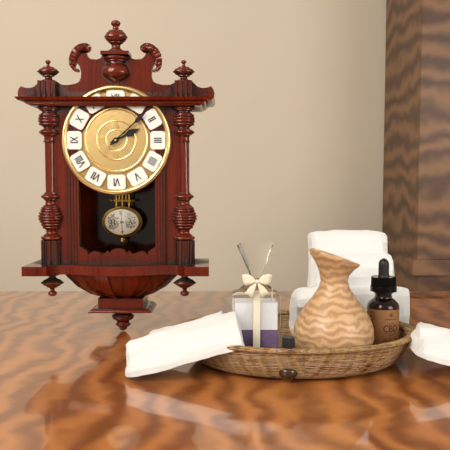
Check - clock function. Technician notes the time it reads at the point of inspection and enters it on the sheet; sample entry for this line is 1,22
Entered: 2,08
